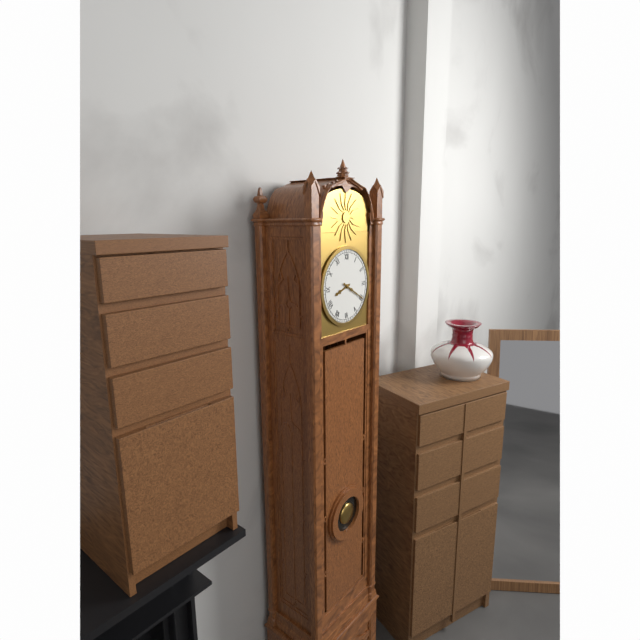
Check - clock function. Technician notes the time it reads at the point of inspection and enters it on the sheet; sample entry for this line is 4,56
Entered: 8,20
